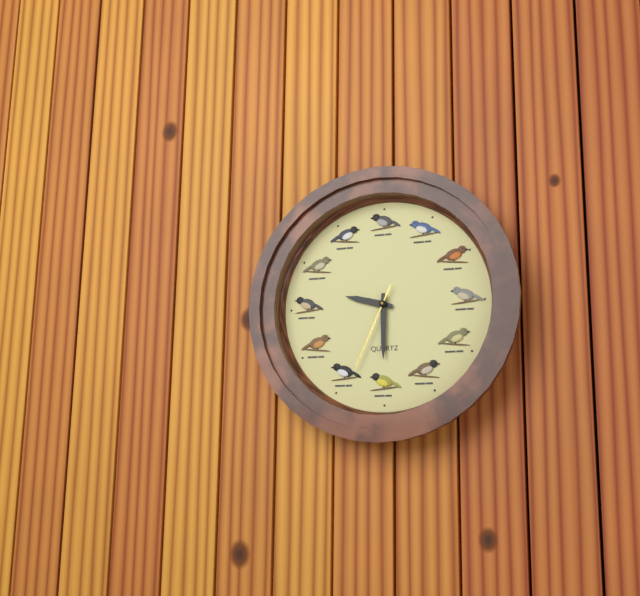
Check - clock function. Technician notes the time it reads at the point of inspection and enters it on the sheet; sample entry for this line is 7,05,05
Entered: 9,30,34
